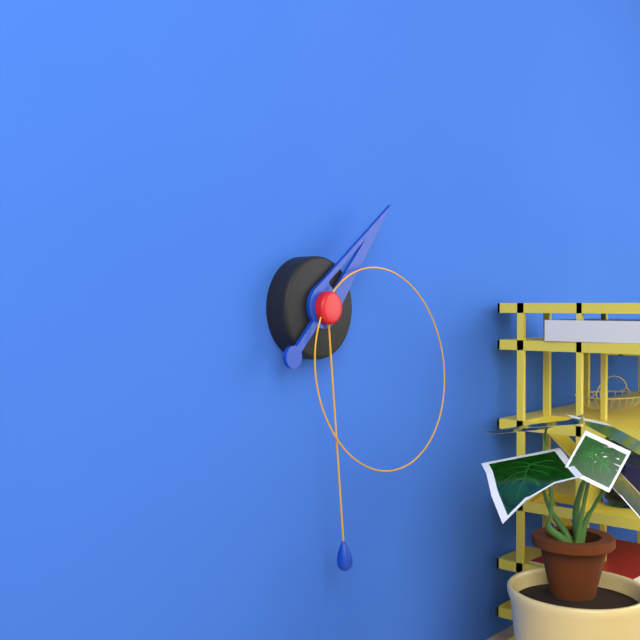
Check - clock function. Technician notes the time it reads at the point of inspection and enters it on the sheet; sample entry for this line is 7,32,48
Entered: 1,29,21
